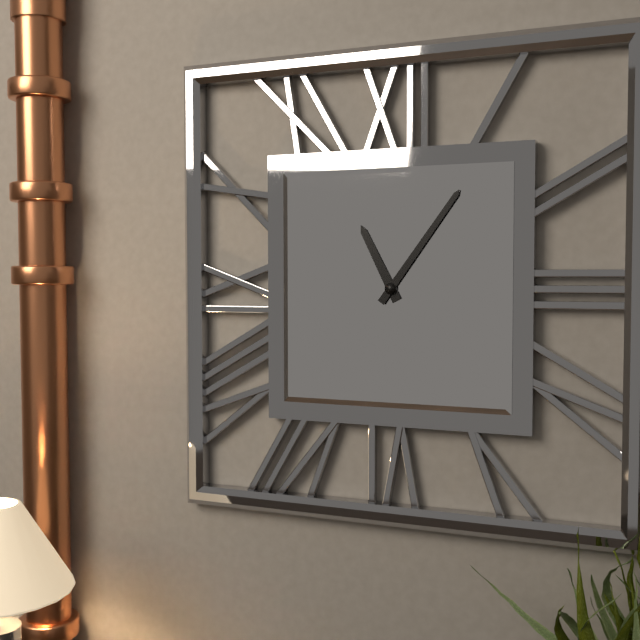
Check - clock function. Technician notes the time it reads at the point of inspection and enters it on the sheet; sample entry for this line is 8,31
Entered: 11,06
